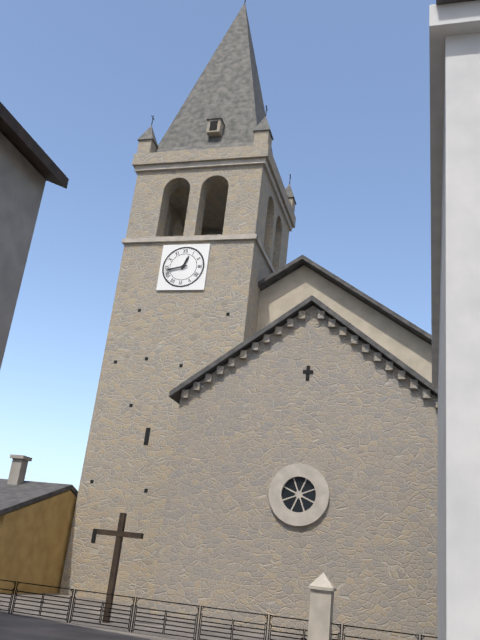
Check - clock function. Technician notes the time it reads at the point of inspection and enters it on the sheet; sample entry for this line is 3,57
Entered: 12,43
